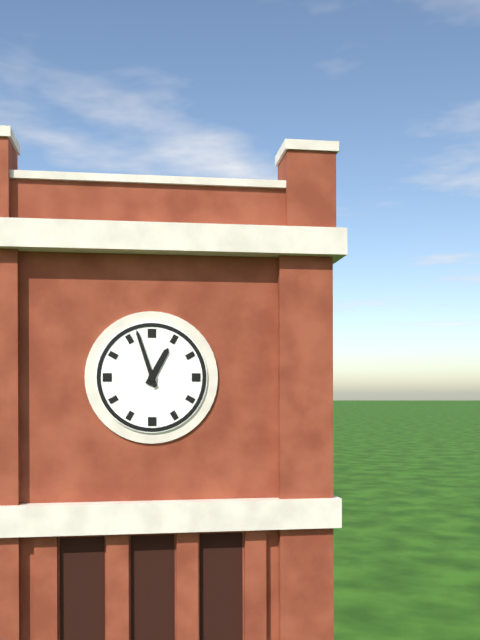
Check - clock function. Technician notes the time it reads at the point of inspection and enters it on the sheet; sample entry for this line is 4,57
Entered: 12,57
